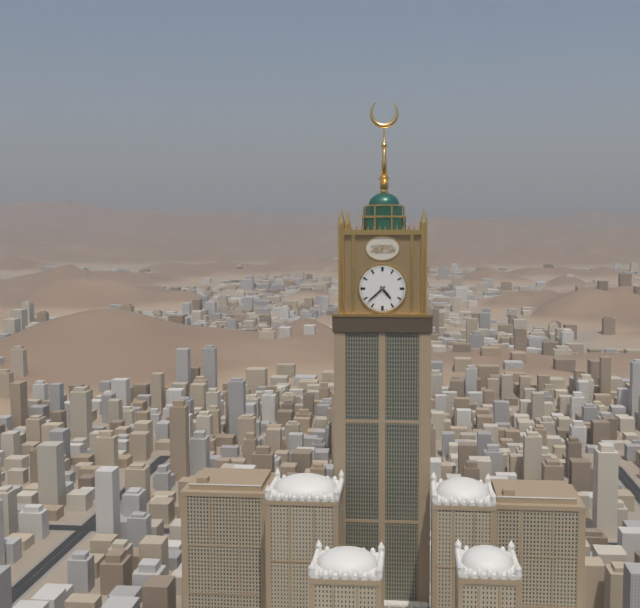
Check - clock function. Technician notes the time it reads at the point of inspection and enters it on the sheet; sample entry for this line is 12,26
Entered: 4,38
